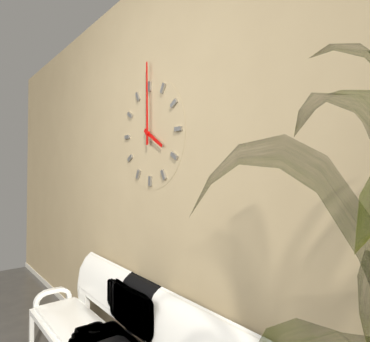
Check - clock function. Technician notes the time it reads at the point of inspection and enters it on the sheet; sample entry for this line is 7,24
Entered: 4,00
